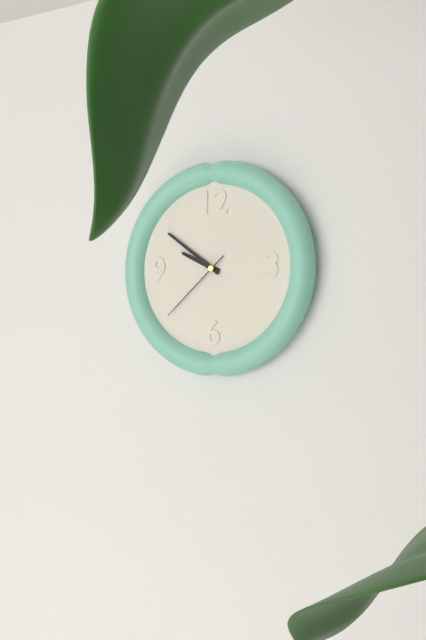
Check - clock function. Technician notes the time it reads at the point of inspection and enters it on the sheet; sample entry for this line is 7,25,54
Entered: 9,51,38
